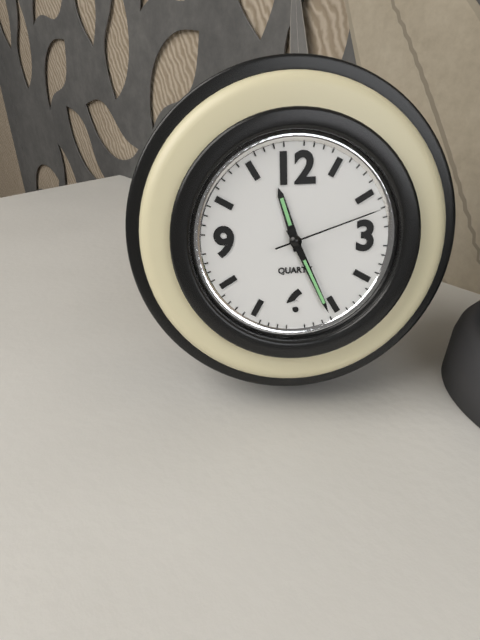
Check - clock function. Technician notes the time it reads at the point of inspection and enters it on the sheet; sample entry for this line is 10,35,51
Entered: 11,26,12
